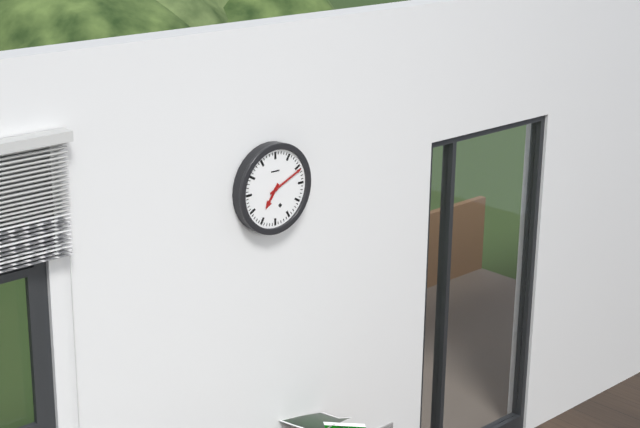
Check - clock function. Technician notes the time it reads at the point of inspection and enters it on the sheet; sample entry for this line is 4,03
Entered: 7,11
